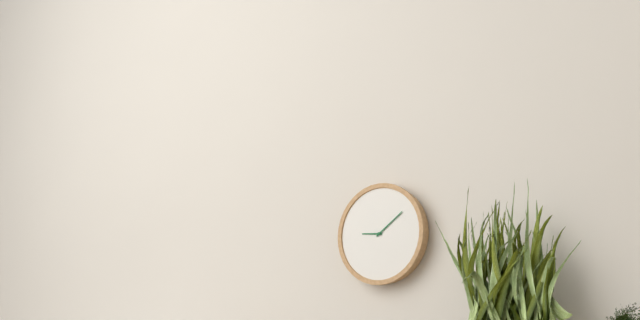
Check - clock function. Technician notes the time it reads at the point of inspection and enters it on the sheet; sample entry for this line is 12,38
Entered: 9,09
